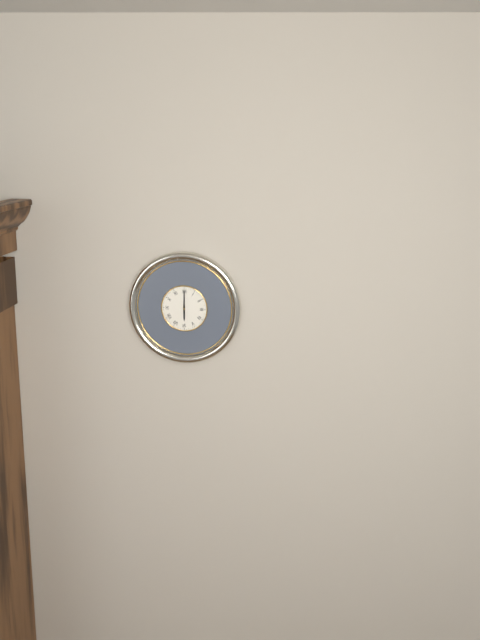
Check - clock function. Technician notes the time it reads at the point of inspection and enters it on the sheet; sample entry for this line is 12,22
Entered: 6,00
